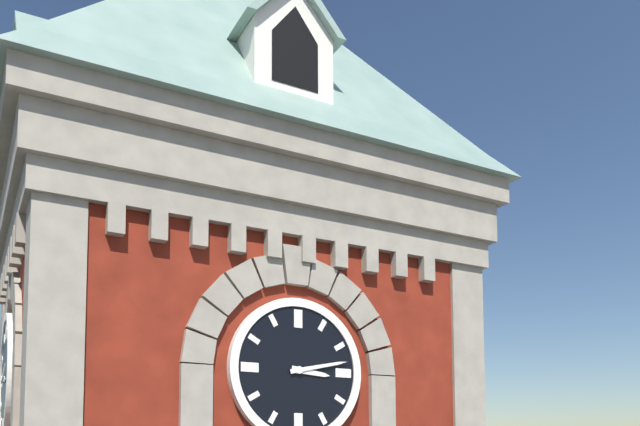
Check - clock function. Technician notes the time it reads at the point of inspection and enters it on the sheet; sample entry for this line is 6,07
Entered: 3,13
